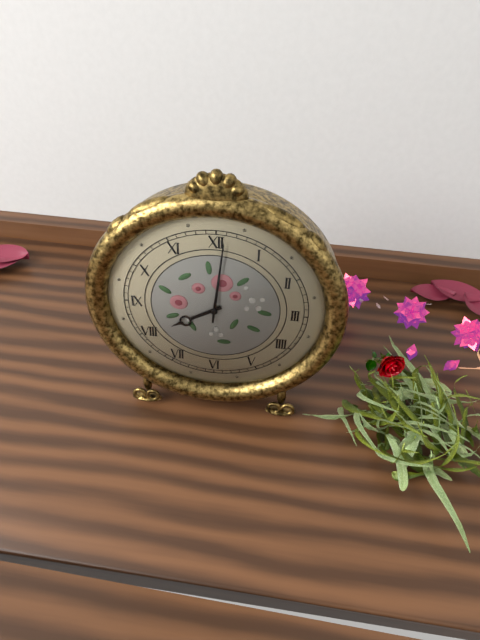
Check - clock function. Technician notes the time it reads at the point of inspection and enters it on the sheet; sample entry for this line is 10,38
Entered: 8,01
